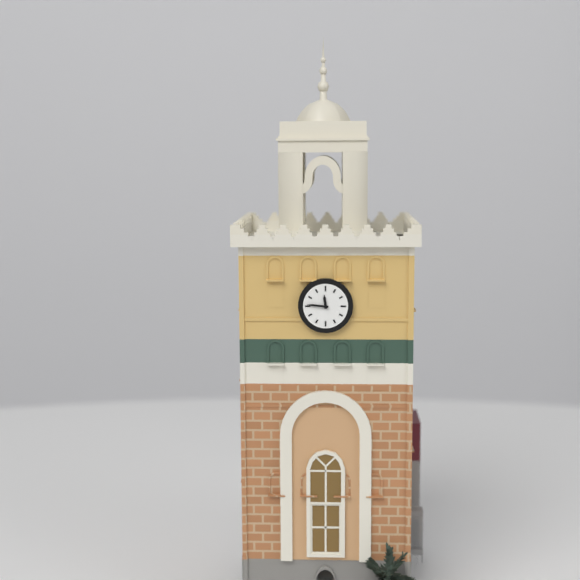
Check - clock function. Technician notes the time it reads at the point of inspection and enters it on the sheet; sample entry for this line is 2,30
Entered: 11,46
